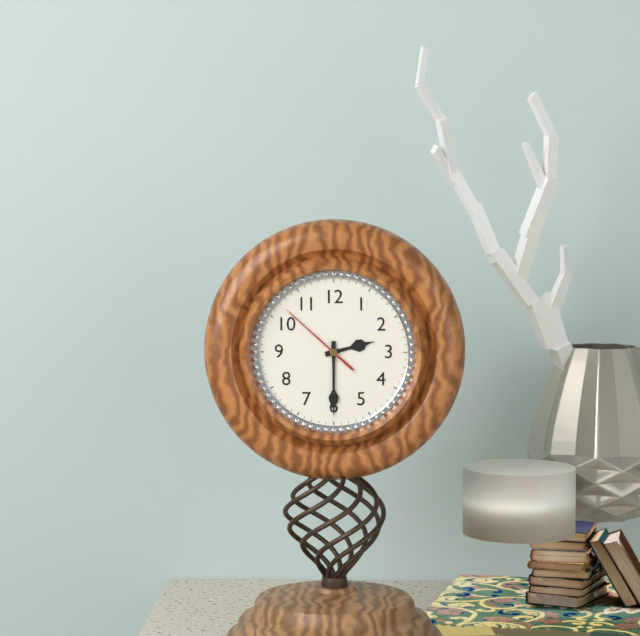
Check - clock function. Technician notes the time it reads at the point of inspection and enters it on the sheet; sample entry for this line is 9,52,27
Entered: 2,30,52
